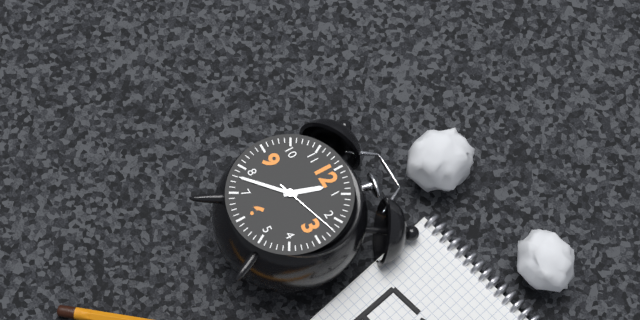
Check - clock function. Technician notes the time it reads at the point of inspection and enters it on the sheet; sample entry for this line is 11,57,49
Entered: 12,38,12
